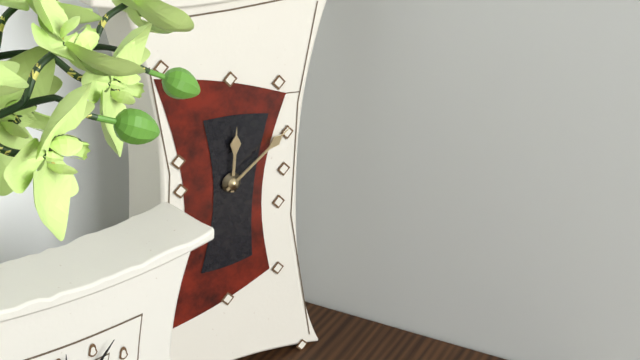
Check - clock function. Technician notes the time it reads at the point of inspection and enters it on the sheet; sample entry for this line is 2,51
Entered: 12,09
